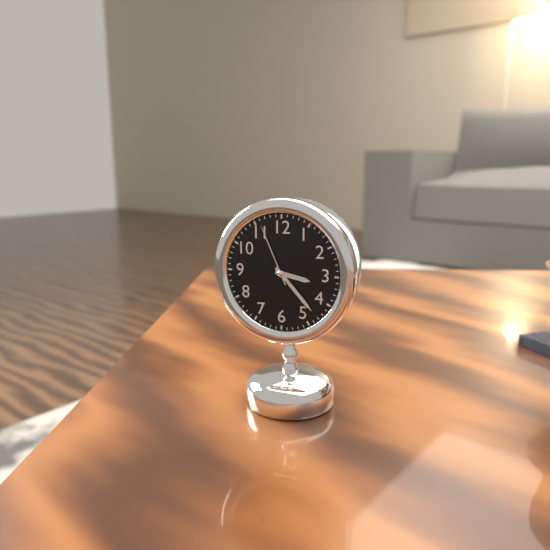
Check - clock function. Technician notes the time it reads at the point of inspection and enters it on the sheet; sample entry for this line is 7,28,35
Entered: 3,23,56
